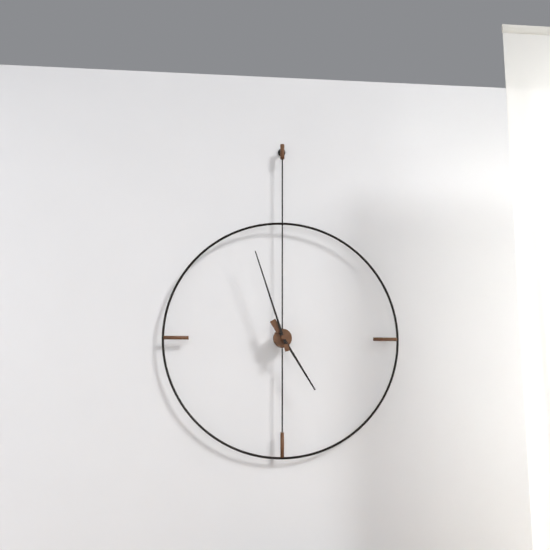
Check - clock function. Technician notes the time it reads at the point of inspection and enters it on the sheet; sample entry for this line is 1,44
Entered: 4,57
